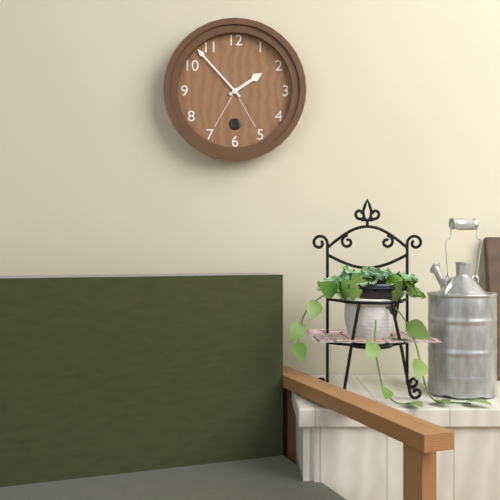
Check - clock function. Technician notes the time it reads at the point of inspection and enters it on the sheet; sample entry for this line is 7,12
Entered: 1,53
